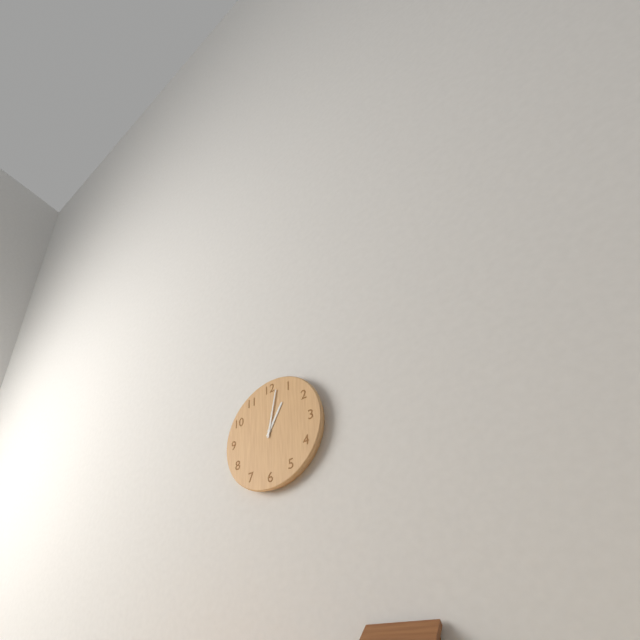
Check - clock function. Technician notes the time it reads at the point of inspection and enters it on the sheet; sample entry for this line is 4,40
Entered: 1,02
